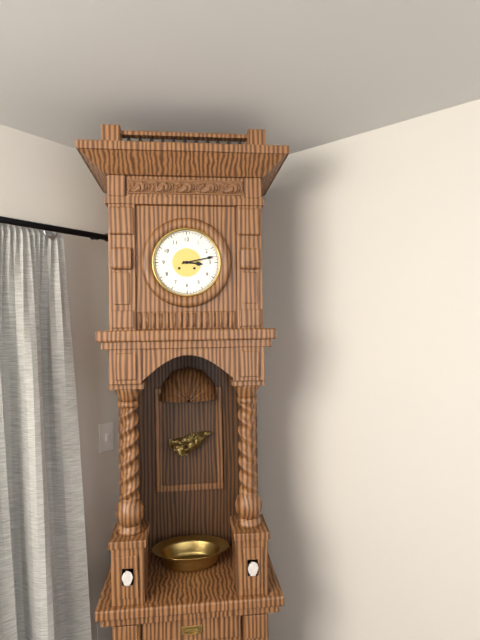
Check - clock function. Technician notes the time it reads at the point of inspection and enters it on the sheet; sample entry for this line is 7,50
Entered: 3,13
